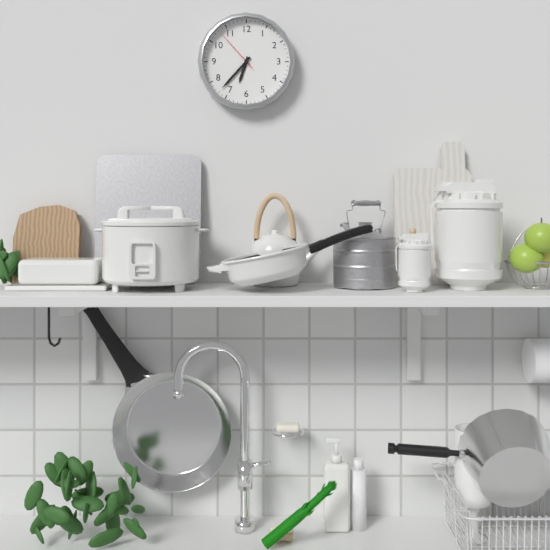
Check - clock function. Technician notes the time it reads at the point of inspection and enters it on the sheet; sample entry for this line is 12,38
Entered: 6,37
